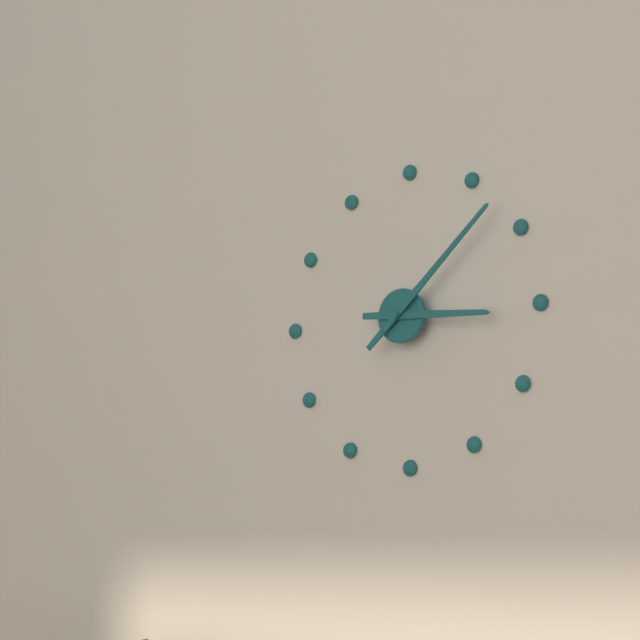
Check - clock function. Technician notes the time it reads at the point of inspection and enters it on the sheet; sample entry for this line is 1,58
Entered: 3,08
